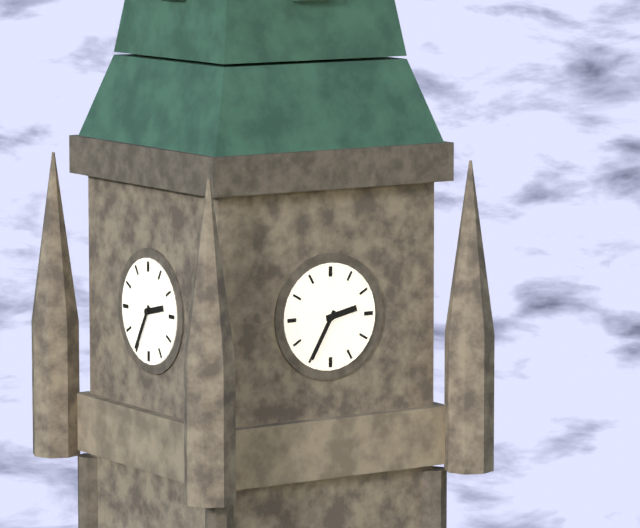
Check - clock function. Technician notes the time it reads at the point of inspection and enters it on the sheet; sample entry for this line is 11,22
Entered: 2,35
